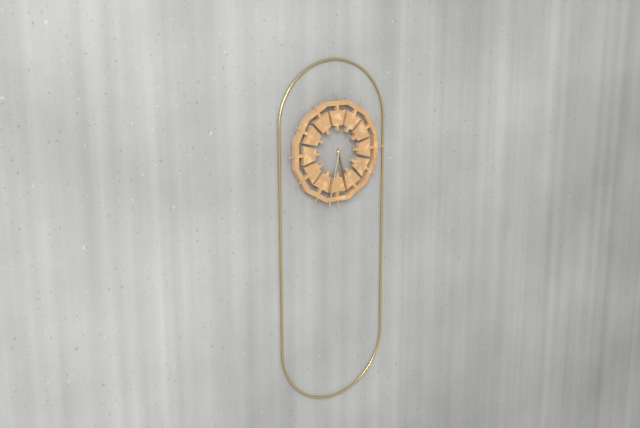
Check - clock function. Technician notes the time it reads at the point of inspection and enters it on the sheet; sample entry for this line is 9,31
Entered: 5,32
